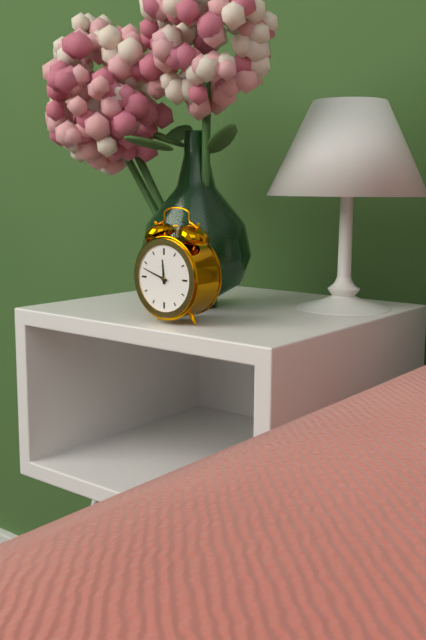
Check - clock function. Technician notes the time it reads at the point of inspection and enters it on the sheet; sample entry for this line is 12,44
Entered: 11,48
